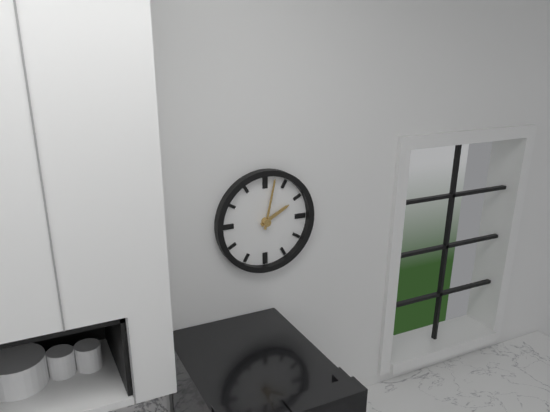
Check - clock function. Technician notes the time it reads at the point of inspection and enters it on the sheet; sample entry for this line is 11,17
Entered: 2,02
